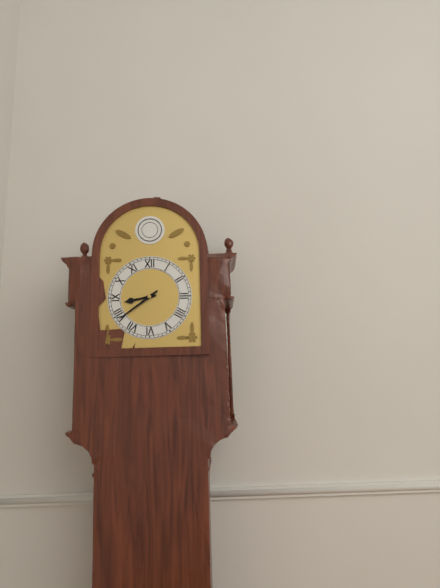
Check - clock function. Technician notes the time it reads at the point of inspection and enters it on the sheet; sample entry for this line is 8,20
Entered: 8,39
